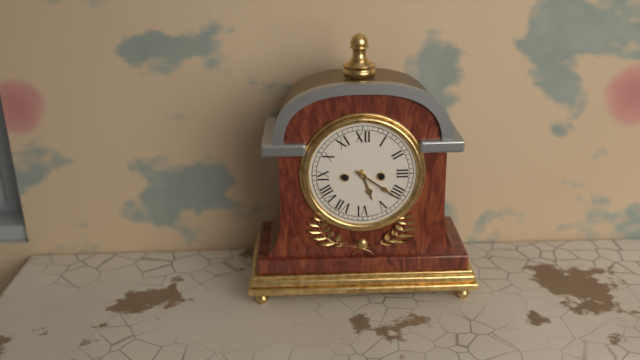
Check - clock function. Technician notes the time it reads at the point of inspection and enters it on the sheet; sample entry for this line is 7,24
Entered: 5,21
